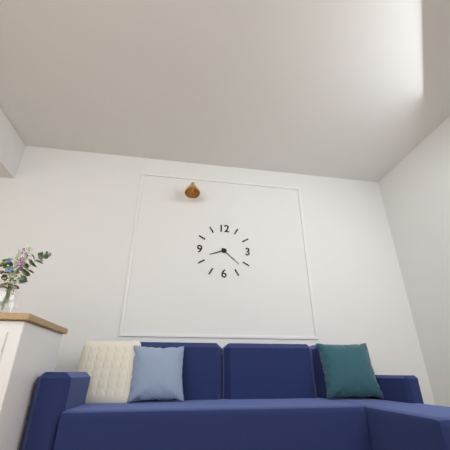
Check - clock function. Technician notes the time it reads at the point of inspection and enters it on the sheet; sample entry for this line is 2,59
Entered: 8,22
